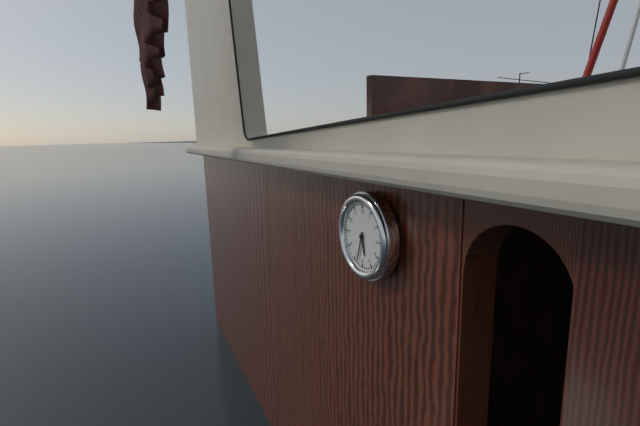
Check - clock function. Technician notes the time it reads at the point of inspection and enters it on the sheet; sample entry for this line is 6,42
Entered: 5,33
